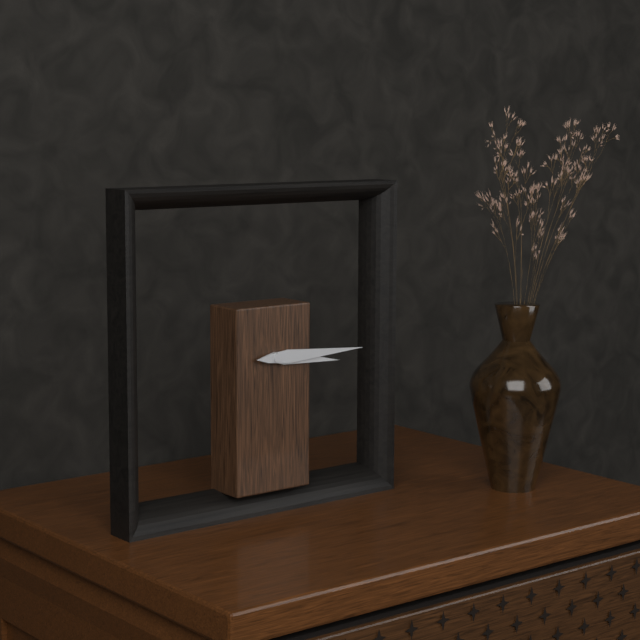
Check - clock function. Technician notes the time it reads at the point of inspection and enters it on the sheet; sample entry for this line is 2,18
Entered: 3,15
